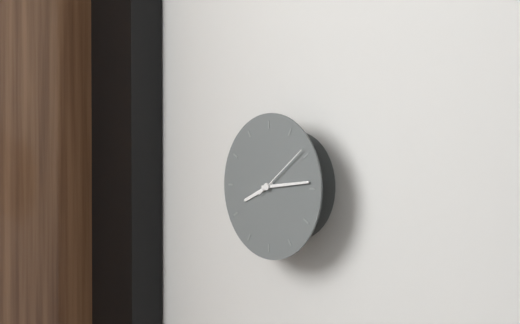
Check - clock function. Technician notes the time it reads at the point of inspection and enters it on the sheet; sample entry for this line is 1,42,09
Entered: 8,14,09
